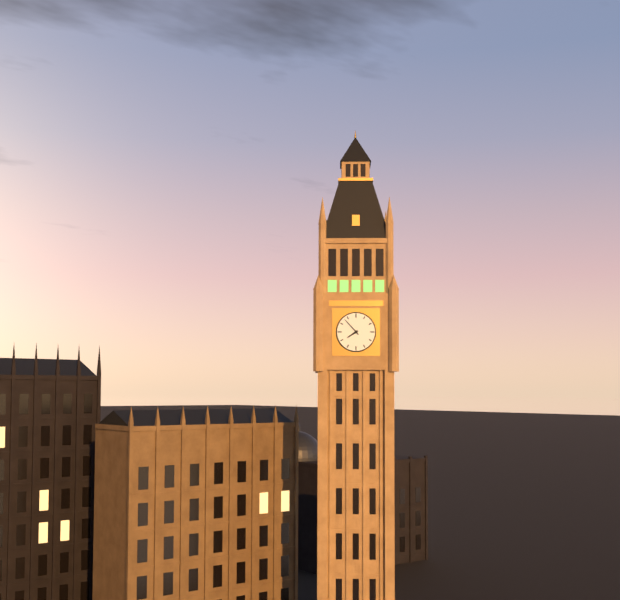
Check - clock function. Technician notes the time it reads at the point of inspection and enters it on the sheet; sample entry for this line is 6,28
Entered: 7,53
